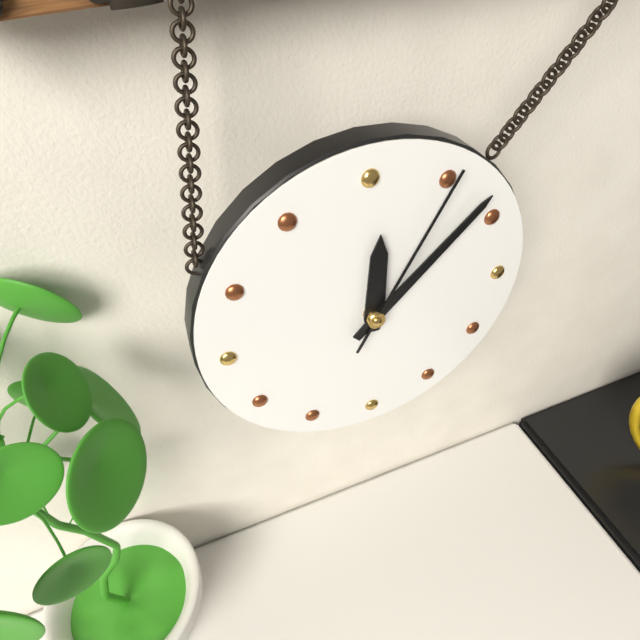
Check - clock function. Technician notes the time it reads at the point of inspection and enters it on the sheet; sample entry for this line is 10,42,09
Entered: 12,08,05
